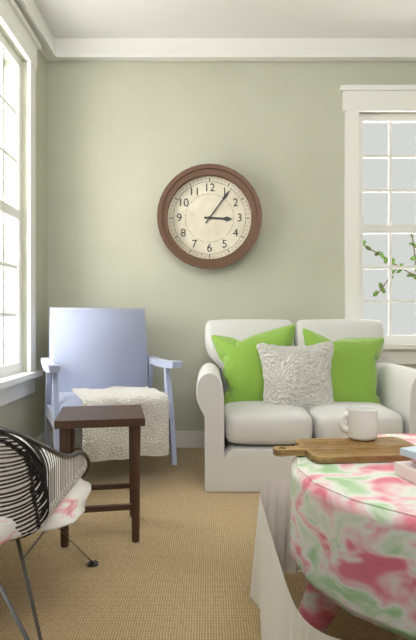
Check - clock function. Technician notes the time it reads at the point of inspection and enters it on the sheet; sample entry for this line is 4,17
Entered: 3,06
